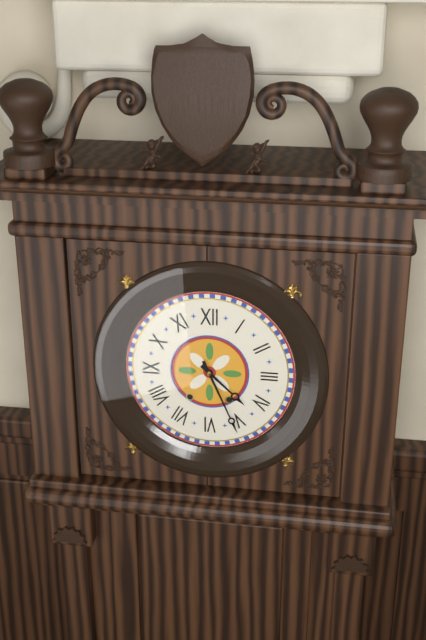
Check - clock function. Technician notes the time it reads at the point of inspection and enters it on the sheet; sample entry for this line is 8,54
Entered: 4,26
